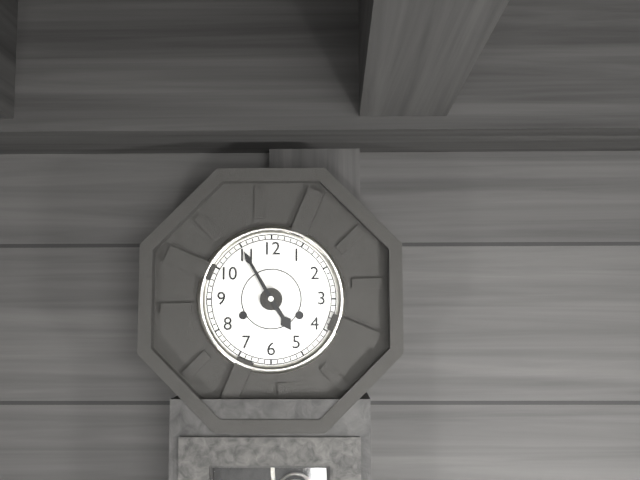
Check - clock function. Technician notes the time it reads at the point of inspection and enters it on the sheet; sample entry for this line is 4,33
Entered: 4,55
